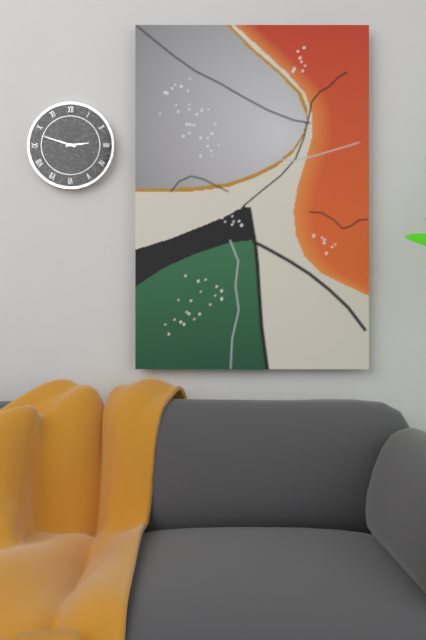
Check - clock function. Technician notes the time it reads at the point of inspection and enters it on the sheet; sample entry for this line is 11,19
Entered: 2,48
